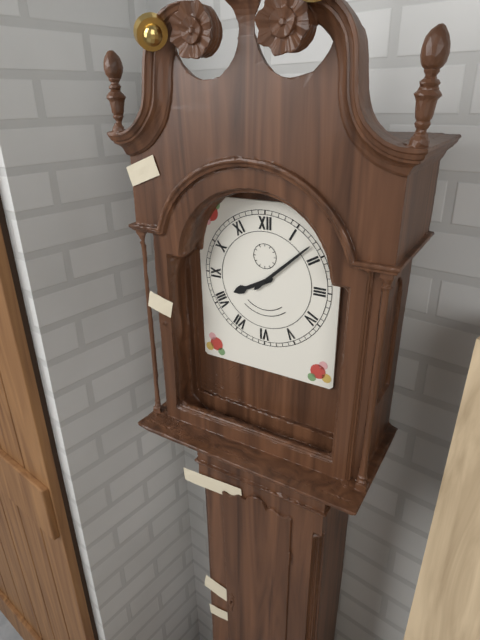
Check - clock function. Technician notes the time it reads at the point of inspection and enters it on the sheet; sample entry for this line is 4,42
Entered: 8,08
